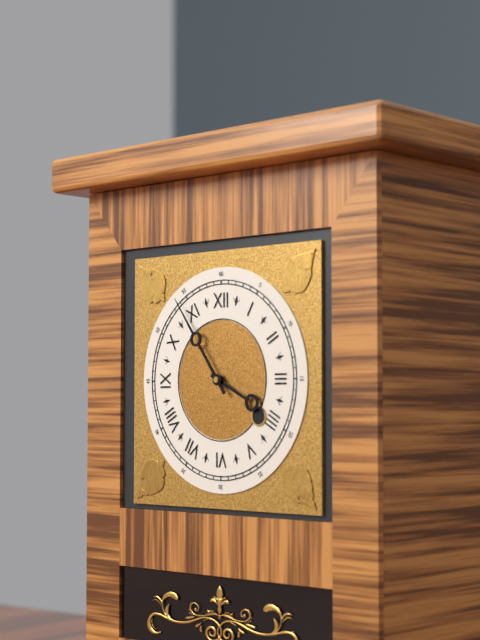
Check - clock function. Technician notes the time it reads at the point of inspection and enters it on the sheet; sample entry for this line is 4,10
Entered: 3,54
